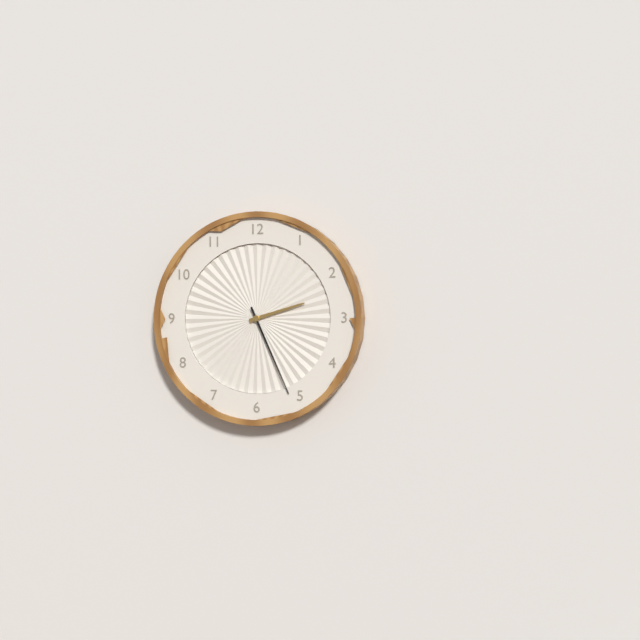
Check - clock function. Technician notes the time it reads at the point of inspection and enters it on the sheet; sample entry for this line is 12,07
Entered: 2,26
